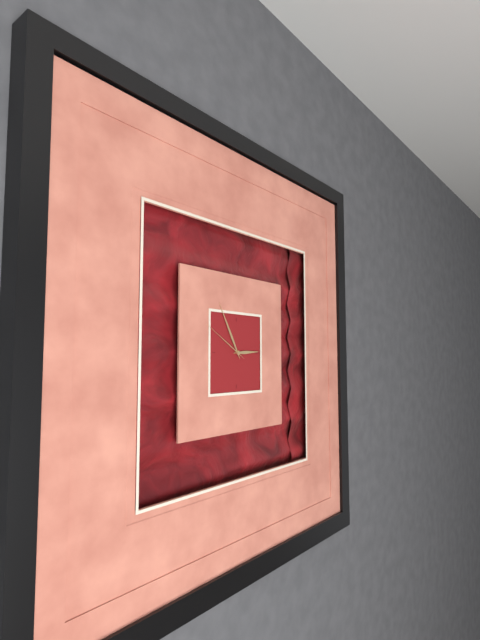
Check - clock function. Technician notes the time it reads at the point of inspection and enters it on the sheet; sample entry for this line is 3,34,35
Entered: 2,55,50
